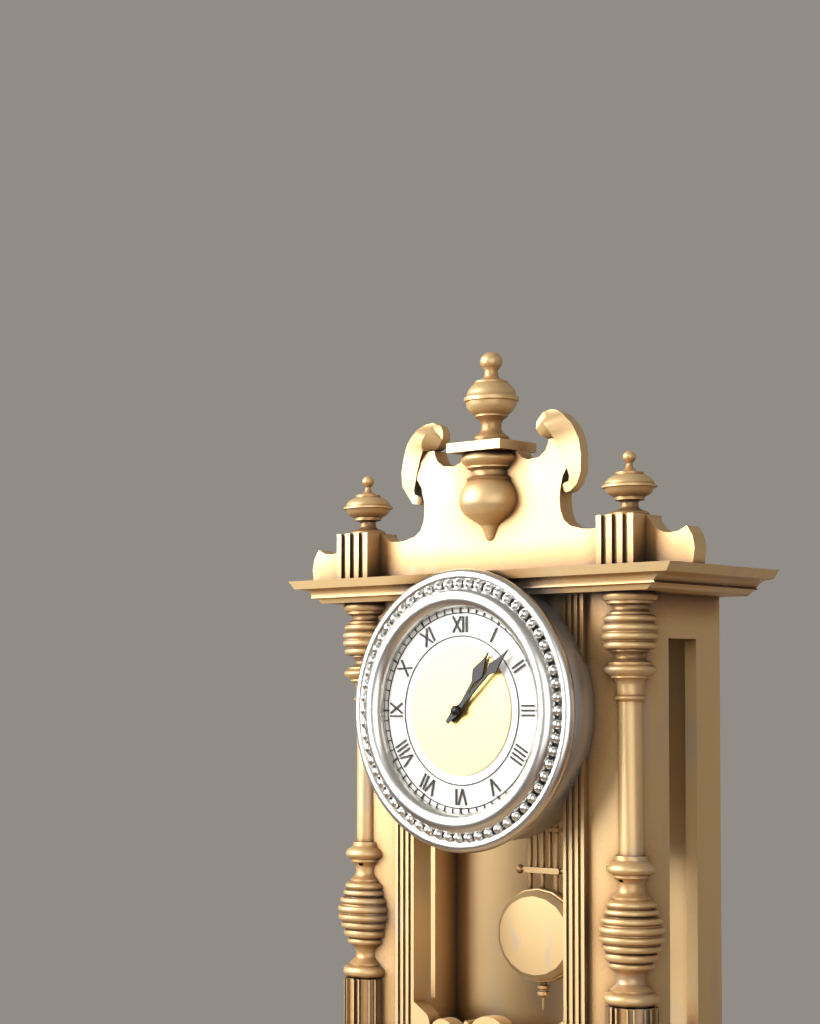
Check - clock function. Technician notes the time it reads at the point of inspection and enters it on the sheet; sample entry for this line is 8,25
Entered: 1,08
